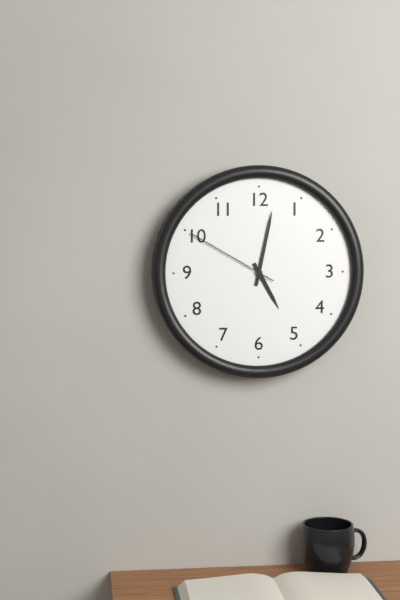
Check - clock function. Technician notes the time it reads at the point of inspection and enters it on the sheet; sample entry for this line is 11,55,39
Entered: 5,02,50
